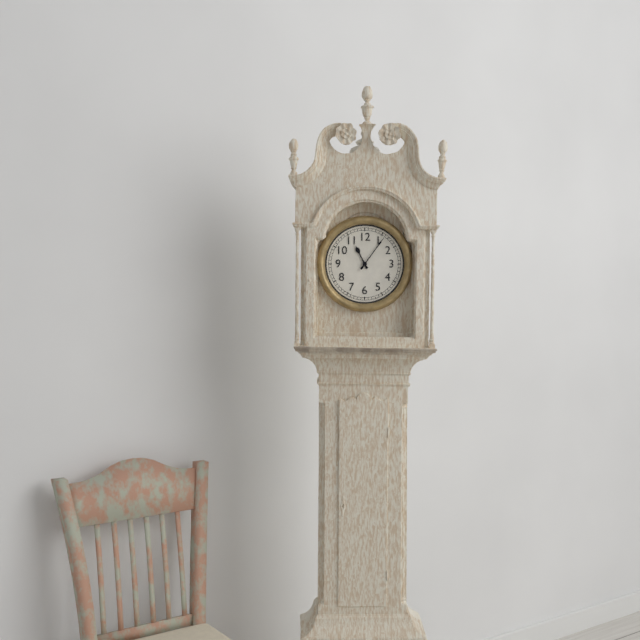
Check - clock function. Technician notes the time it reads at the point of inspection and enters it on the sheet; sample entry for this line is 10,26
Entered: 11,06
